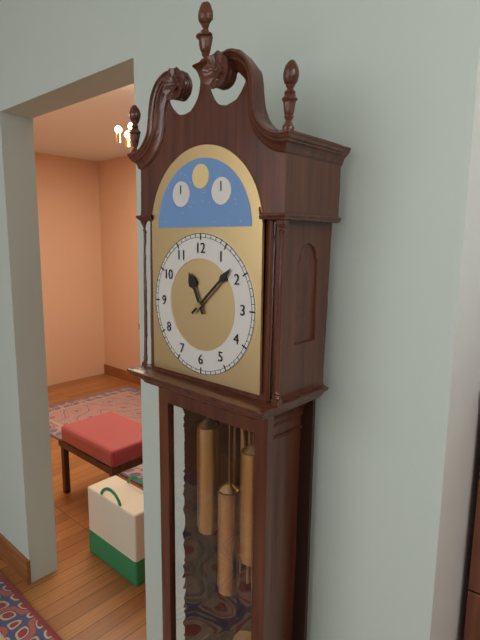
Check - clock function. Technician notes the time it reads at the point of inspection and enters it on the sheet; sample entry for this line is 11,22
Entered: 11,08
